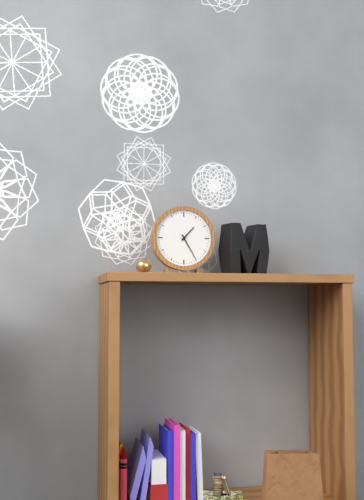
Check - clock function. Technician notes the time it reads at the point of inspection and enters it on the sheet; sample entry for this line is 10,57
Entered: 1,25
